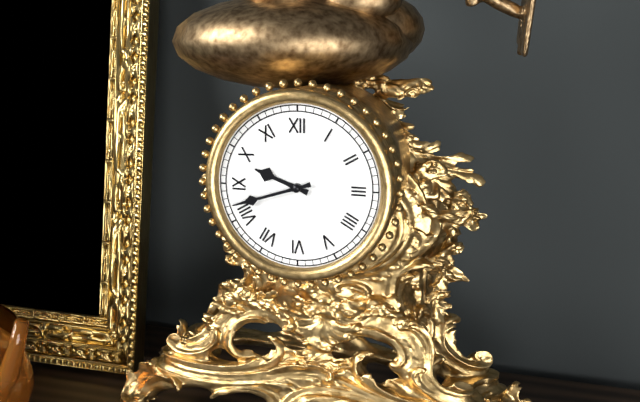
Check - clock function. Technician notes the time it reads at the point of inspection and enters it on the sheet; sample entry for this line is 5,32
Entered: 9,42
